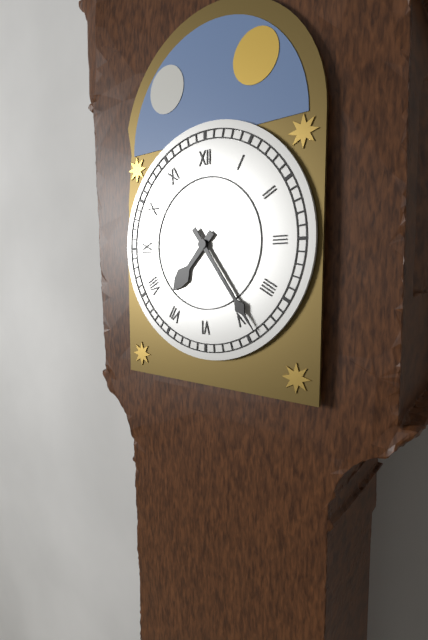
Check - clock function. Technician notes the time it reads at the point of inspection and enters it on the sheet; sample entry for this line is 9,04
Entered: 7,24
